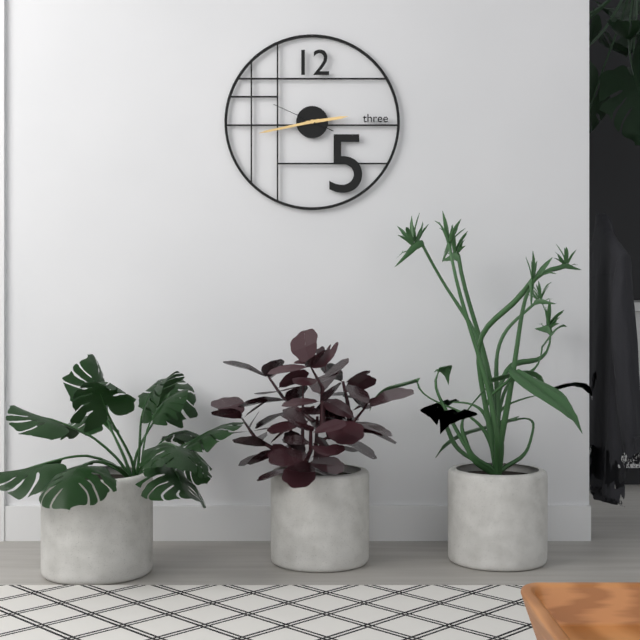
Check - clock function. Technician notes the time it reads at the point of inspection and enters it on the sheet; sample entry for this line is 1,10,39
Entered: 2,43,49
